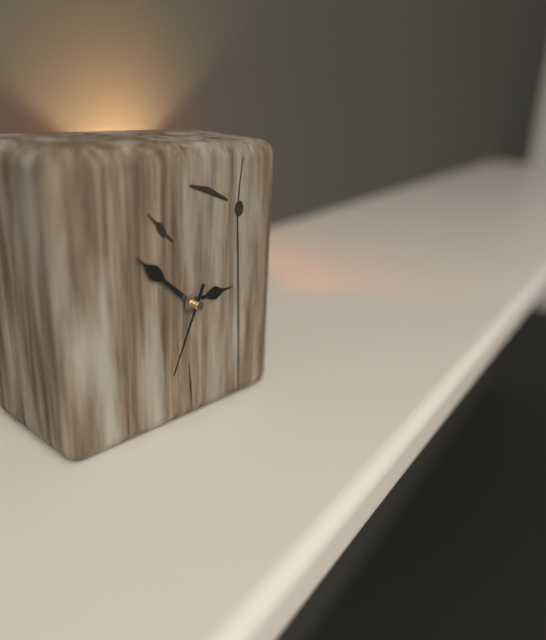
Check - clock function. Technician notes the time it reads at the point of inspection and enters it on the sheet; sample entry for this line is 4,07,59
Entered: 2,52,34
